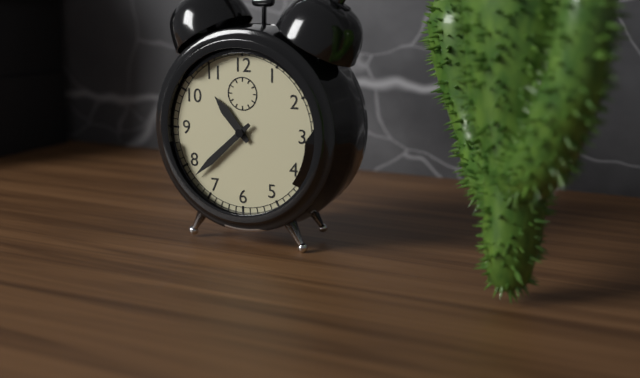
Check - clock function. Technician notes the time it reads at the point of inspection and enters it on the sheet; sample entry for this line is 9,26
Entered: 10,38
